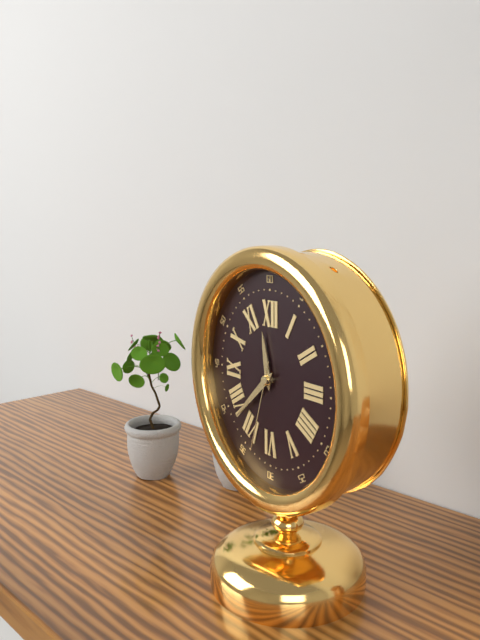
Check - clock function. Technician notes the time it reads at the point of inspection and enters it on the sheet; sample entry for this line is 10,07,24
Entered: 11,38,33
